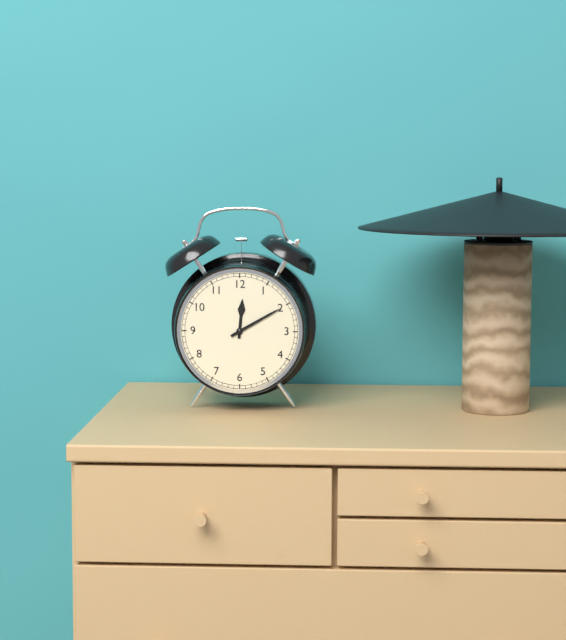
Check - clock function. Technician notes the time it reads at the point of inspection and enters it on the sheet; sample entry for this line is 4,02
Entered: 12,10
